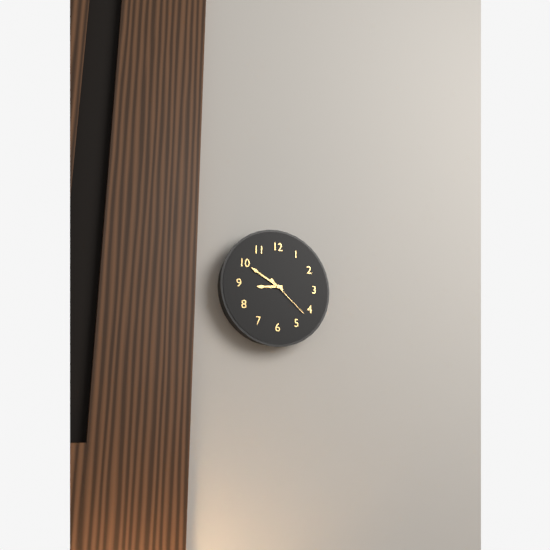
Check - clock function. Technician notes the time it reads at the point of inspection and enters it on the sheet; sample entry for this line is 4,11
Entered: 8,50
